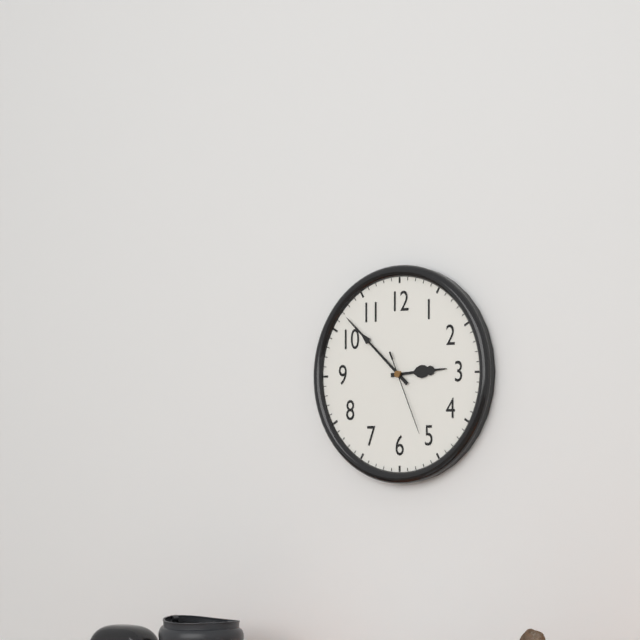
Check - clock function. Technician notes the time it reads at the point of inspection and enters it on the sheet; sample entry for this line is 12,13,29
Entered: 2,52,26
